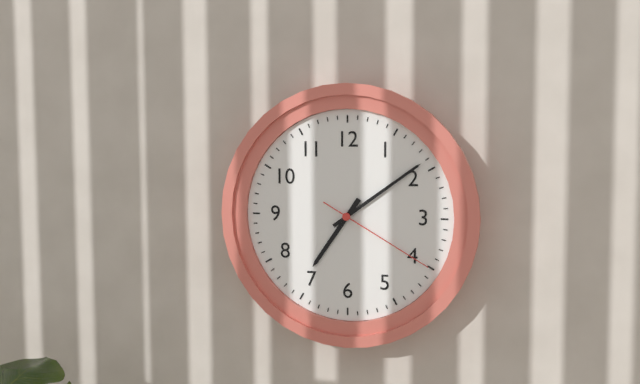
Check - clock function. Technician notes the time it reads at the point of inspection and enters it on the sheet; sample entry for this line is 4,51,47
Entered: 7,09,20
